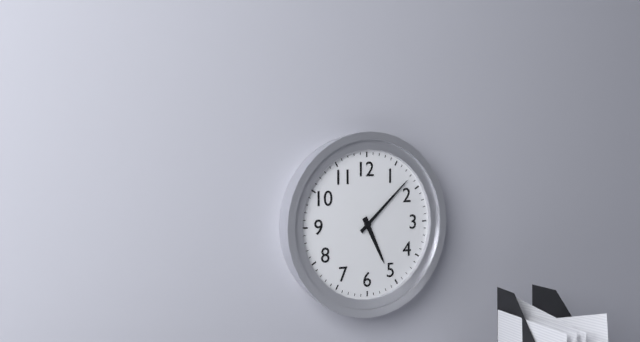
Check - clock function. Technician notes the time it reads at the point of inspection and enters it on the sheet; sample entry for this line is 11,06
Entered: 5,08
